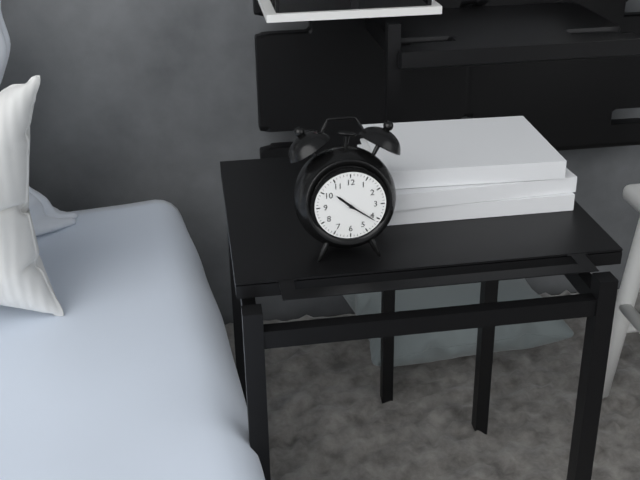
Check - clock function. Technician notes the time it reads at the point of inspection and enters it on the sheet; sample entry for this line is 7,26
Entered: 10,21
